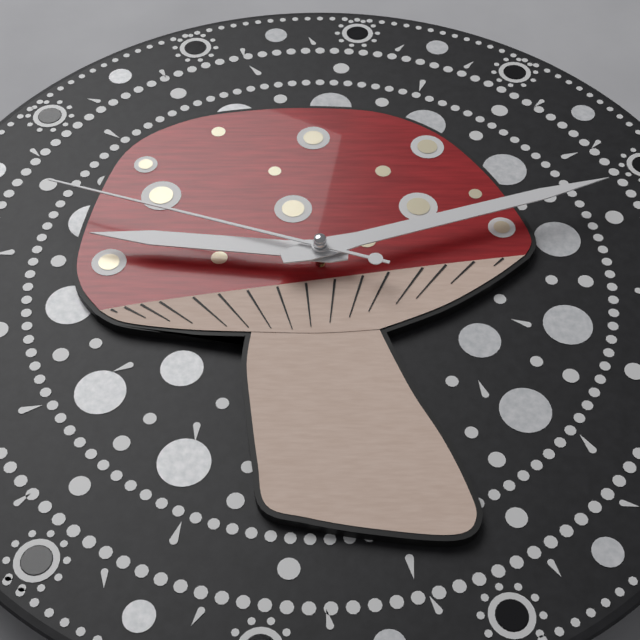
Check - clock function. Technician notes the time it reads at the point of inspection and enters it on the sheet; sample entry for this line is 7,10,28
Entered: 9,12,48
